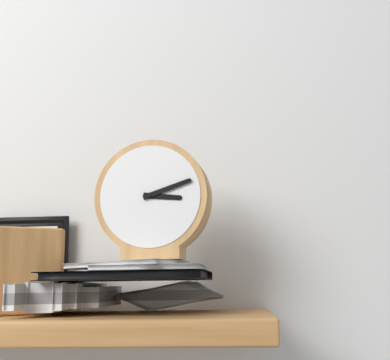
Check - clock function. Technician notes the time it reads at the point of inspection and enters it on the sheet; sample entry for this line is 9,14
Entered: 3,12
